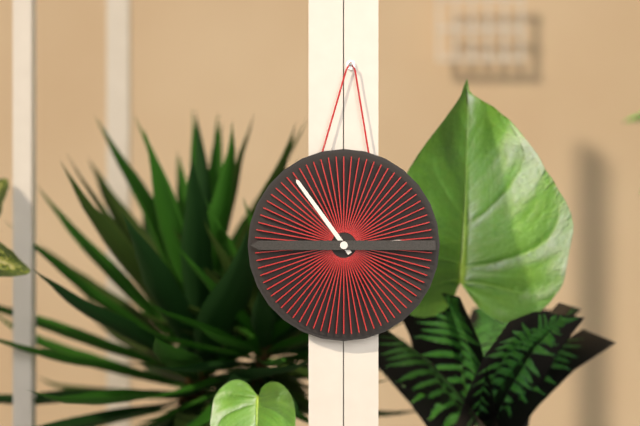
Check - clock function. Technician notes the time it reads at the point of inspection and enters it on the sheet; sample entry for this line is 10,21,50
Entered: 2,54,45
